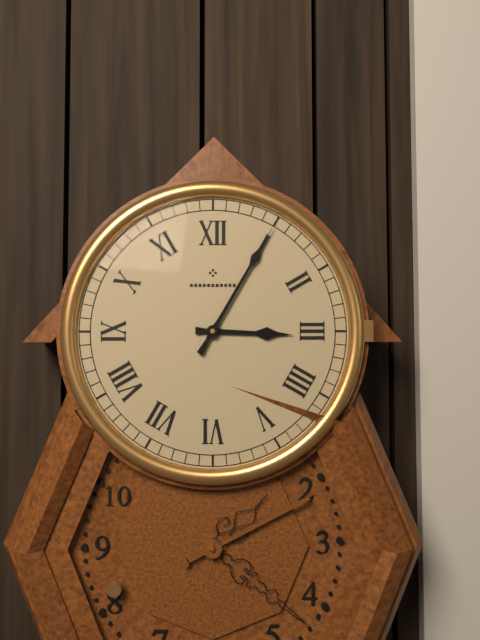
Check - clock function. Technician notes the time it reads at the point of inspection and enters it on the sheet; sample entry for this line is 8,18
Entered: 3,05
